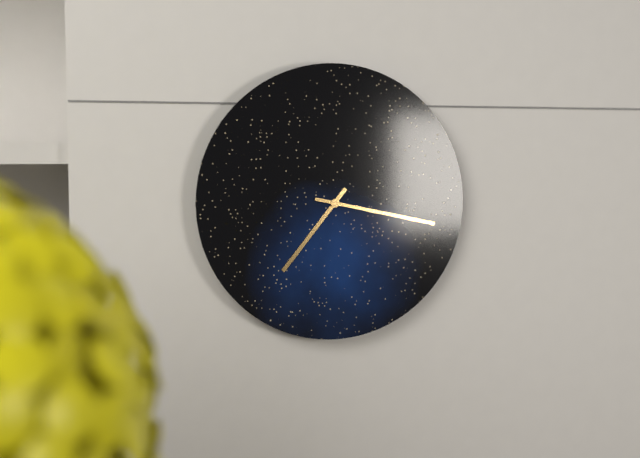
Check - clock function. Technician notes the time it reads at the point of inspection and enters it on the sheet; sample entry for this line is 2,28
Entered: 7,17
